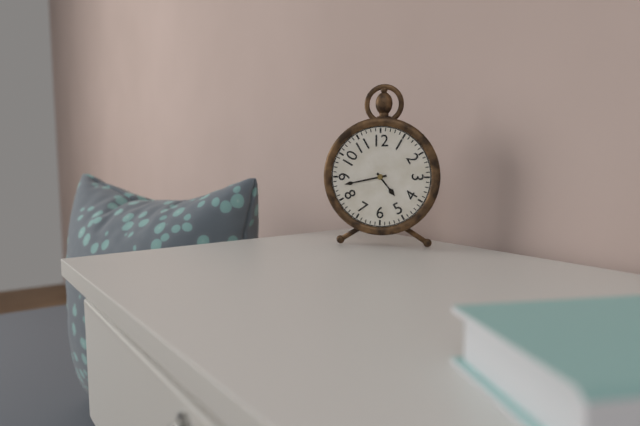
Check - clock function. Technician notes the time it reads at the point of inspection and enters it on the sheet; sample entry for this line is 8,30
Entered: 4,43
